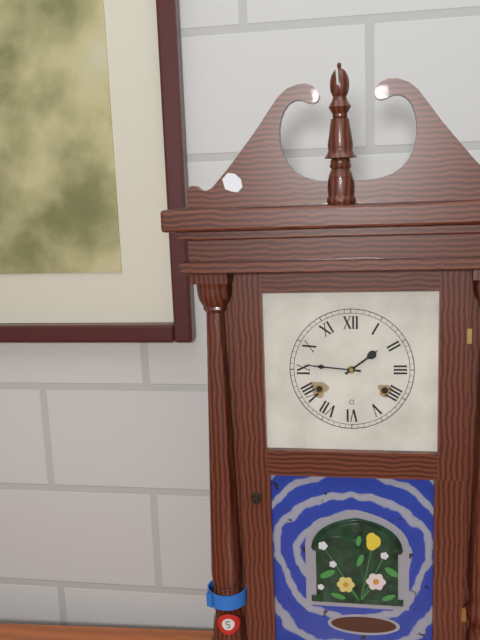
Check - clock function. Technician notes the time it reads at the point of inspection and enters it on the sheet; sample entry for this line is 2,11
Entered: 1,46
